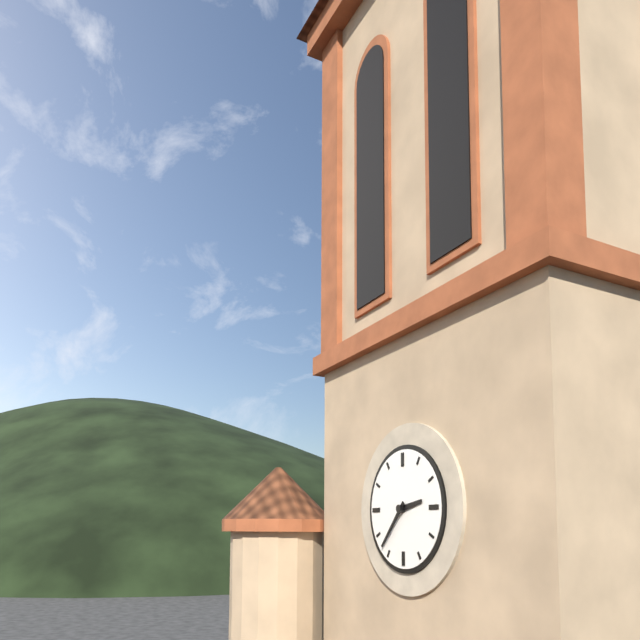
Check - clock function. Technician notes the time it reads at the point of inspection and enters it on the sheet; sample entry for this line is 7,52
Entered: 2,37
